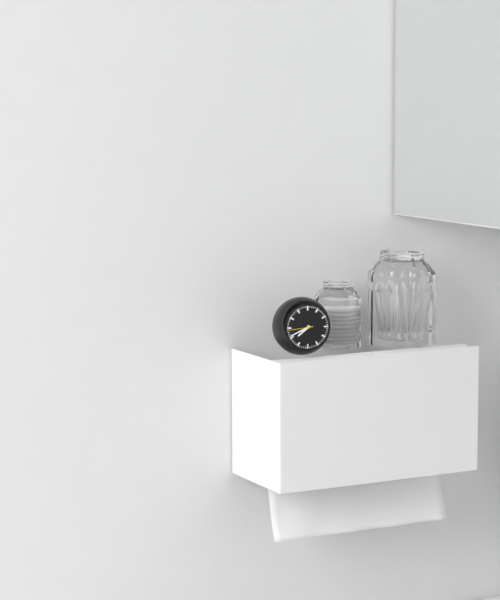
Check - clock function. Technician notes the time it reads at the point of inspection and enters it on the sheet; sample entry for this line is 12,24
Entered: 7,41
